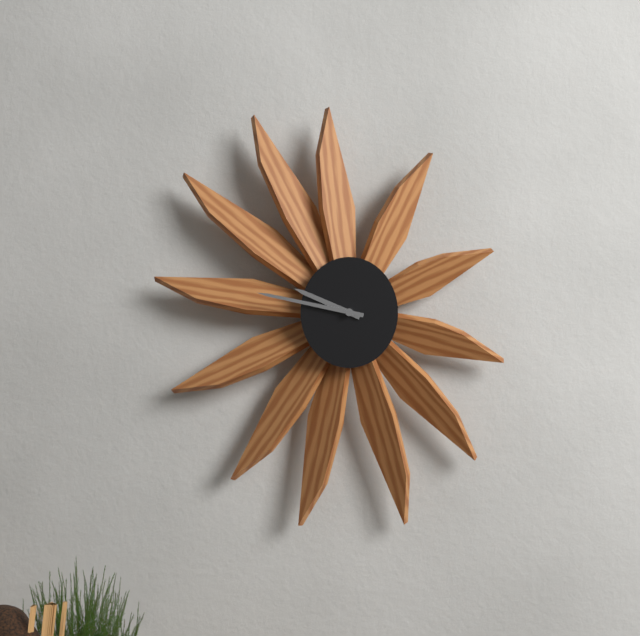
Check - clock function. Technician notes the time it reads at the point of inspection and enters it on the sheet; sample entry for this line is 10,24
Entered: 9,47
